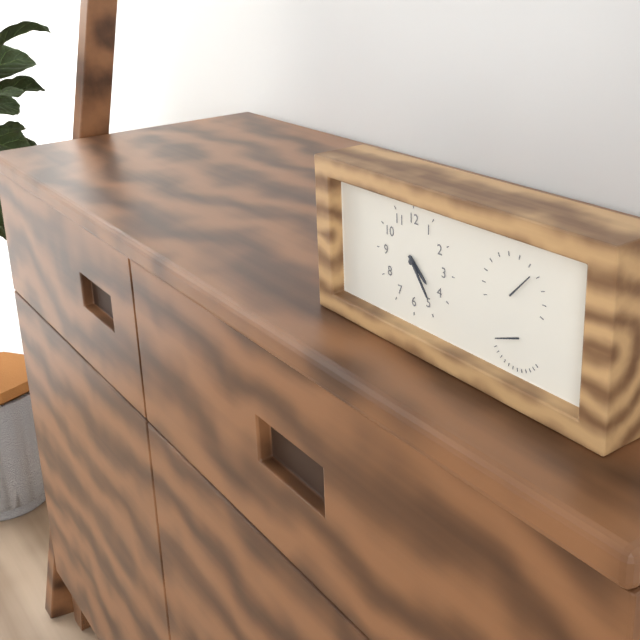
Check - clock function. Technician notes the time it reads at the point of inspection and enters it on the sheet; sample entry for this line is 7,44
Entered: 4,24
